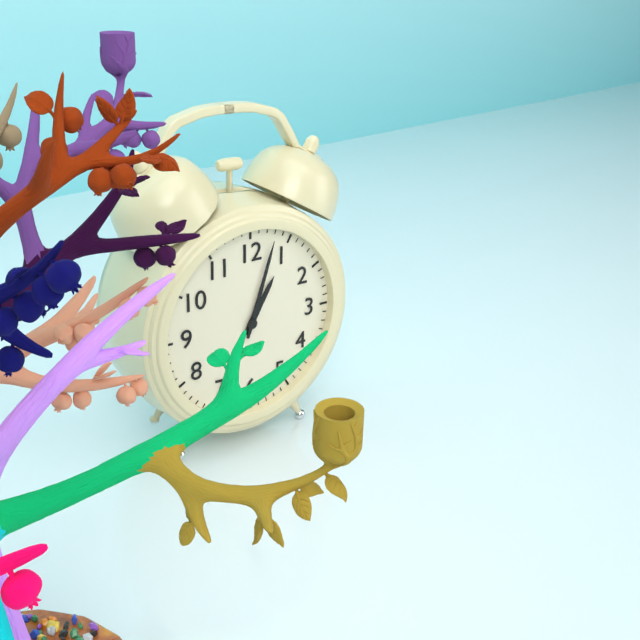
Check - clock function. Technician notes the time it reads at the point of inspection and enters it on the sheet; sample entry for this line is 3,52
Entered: 1,03
